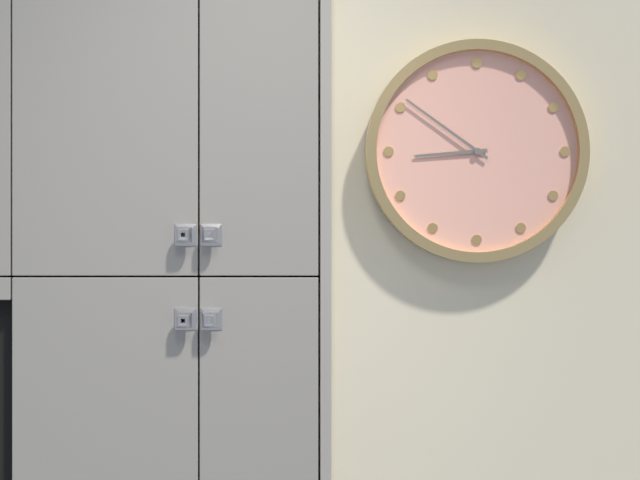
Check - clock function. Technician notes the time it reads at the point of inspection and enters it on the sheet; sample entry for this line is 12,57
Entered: 8,51
